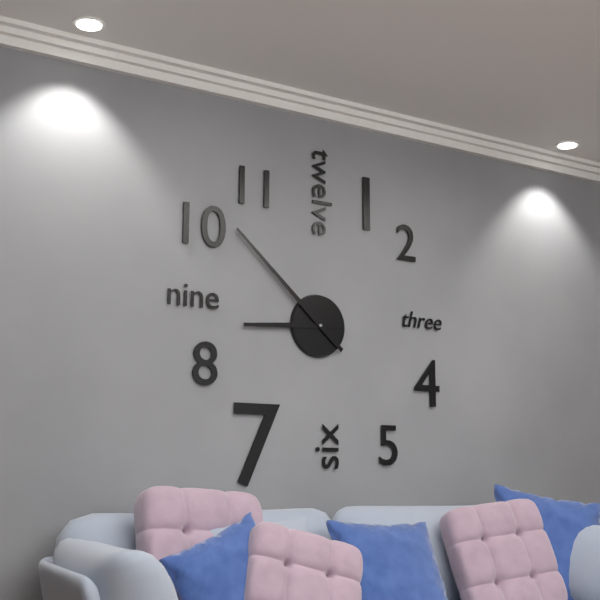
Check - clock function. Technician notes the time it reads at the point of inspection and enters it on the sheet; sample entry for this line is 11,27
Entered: 8,52
